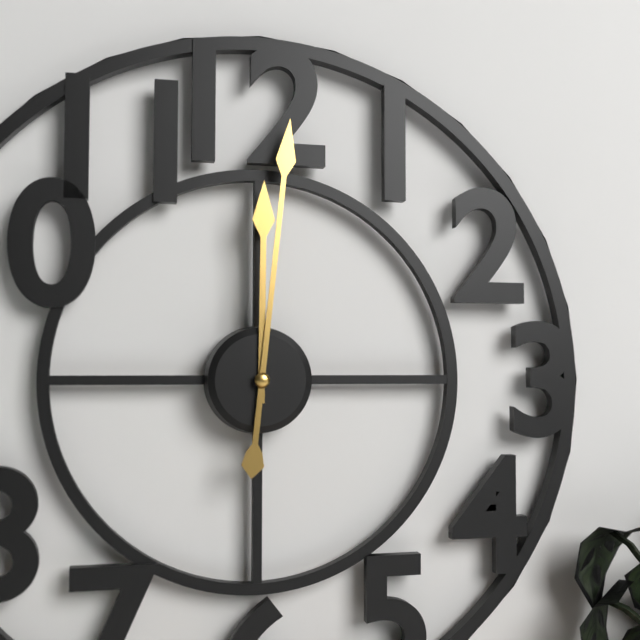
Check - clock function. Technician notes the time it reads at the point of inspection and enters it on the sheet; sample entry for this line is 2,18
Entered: 12,01
